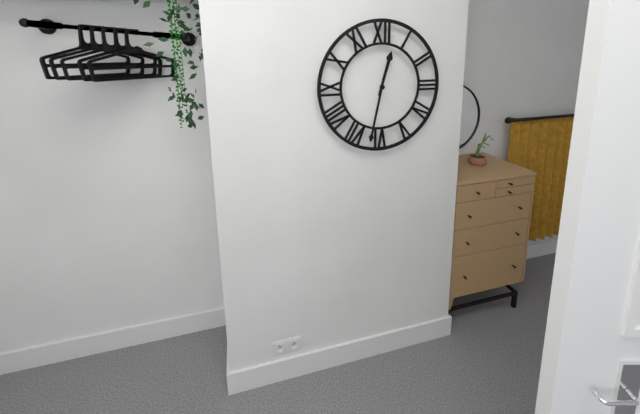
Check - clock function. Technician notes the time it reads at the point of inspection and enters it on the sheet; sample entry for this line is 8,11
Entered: 12,32
